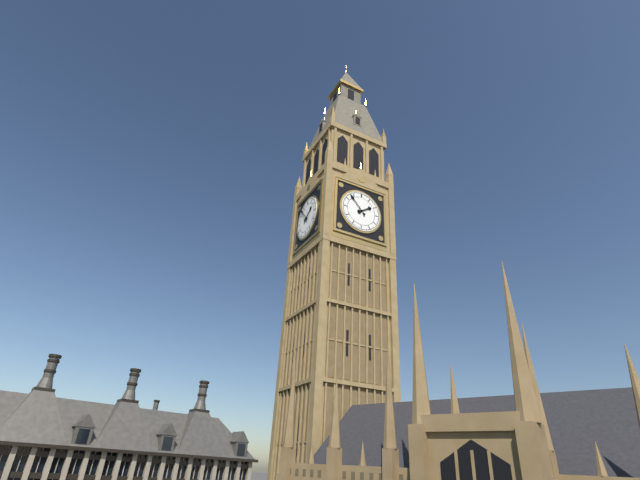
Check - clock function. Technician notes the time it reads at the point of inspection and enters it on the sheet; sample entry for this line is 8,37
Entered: 1,53
